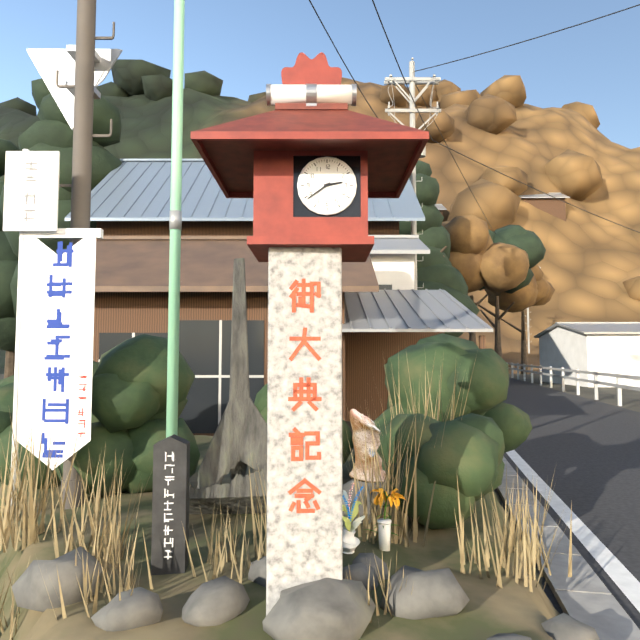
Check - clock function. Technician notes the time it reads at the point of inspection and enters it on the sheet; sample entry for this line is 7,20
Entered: 2,39
